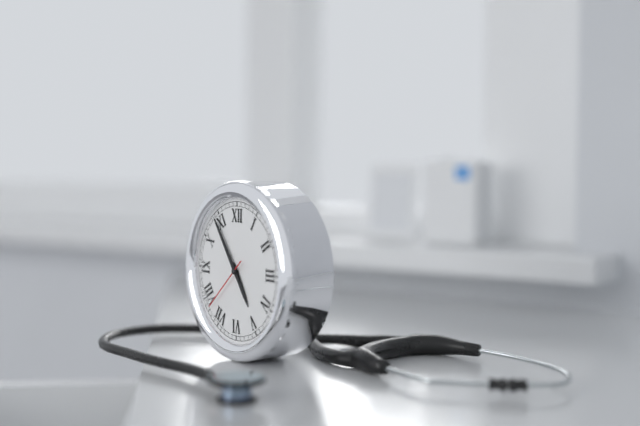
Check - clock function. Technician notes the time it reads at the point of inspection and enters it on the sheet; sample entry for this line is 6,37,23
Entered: 4,54,38
